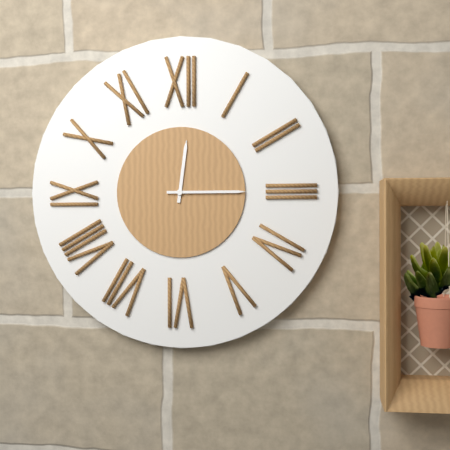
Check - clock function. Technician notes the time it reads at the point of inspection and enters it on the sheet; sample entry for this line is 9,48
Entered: 12,15
